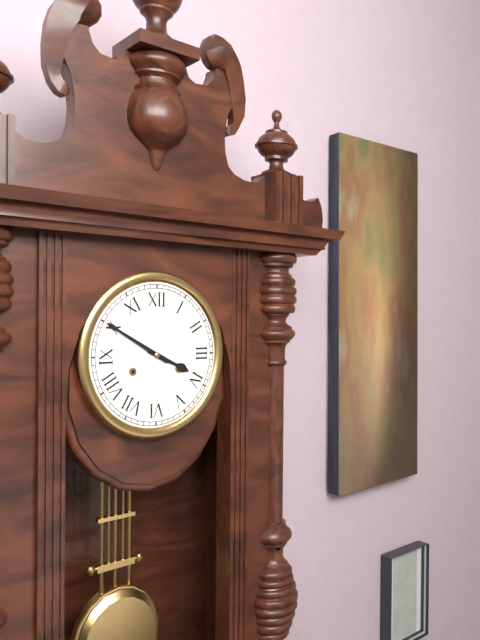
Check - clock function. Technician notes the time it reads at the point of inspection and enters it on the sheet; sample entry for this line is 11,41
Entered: 3,50
